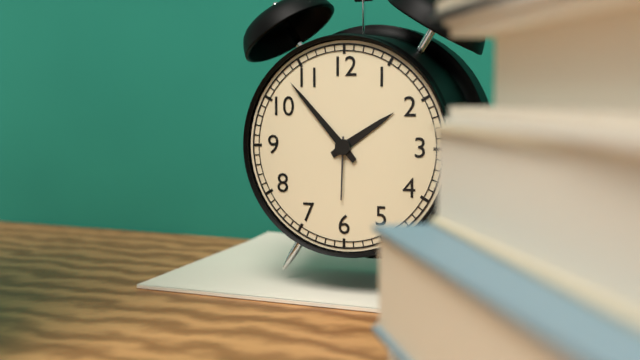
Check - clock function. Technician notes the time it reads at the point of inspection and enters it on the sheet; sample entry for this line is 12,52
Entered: 1,53
